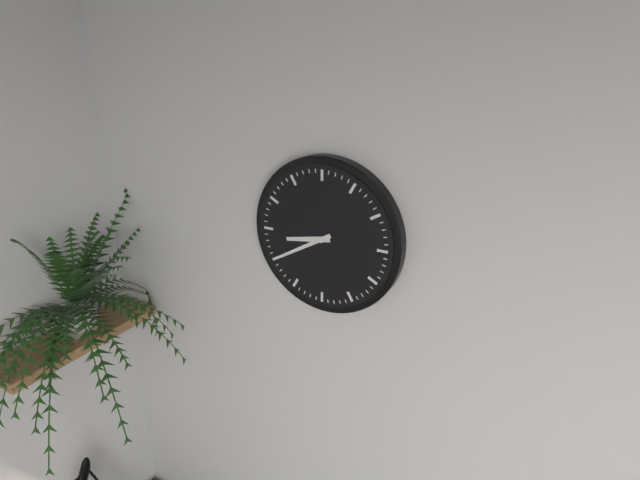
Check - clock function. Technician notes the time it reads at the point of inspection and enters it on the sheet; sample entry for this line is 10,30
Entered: 8,40
